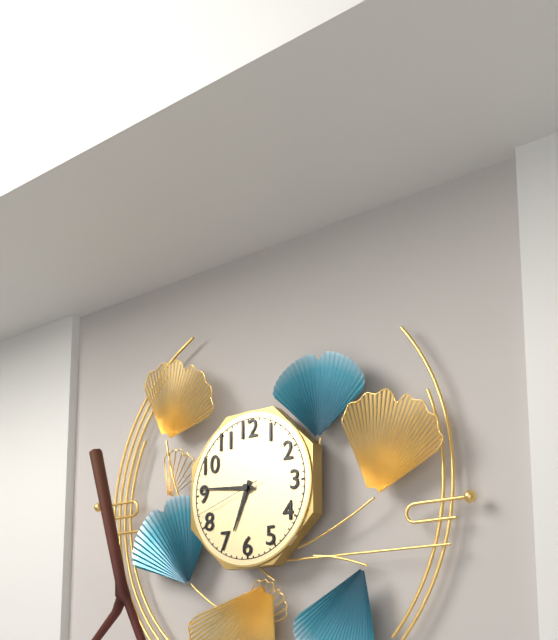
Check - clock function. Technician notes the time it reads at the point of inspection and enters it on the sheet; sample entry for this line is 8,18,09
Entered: 6,46,42
